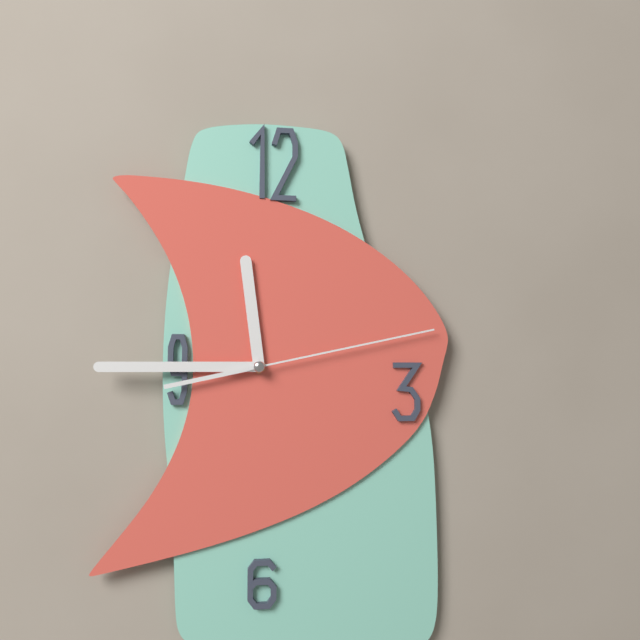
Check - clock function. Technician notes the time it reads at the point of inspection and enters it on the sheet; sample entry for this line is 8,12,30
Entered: 11,45,13
